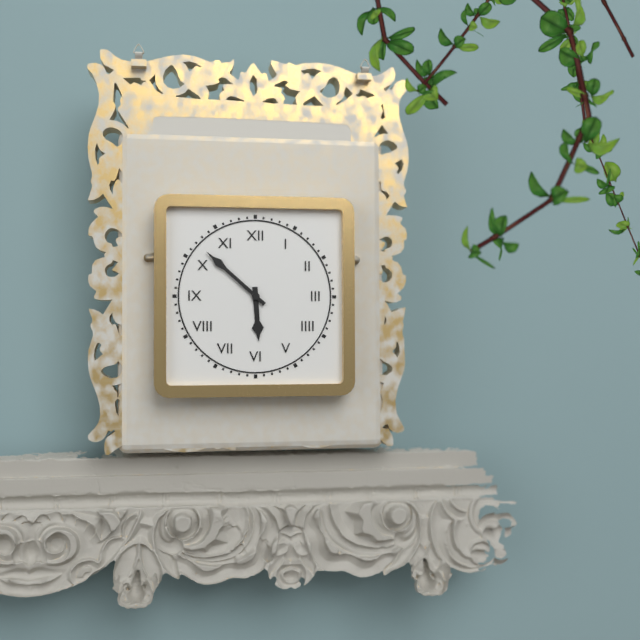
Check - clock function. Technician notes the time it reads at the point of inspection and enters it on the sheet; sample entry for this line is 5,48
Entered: 5,52
